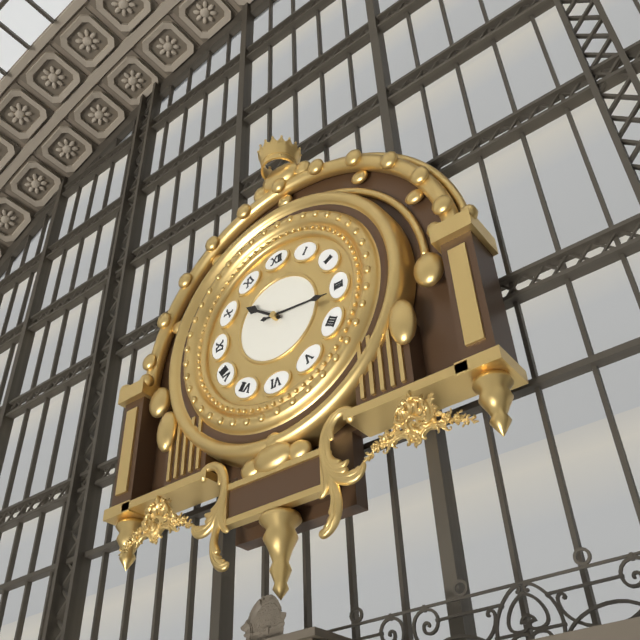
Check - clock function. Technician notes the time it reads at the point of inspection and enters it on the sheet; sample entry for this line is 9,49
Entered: 10,16
